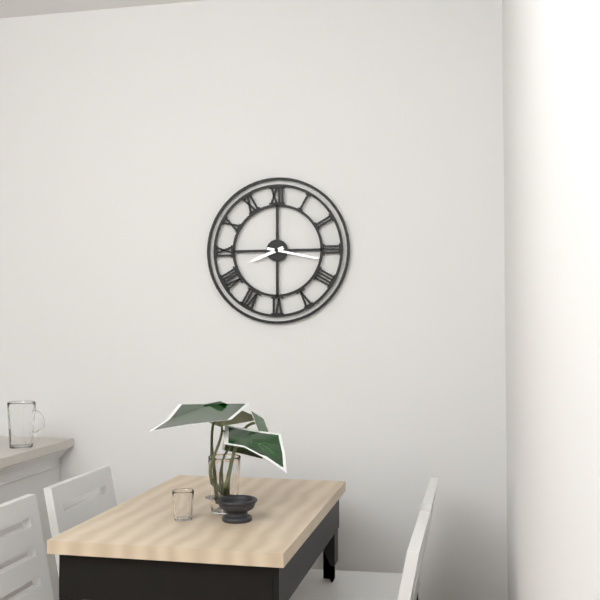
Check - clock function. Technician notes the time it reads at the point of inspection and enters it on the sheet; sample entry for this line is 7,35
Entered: 8,17
